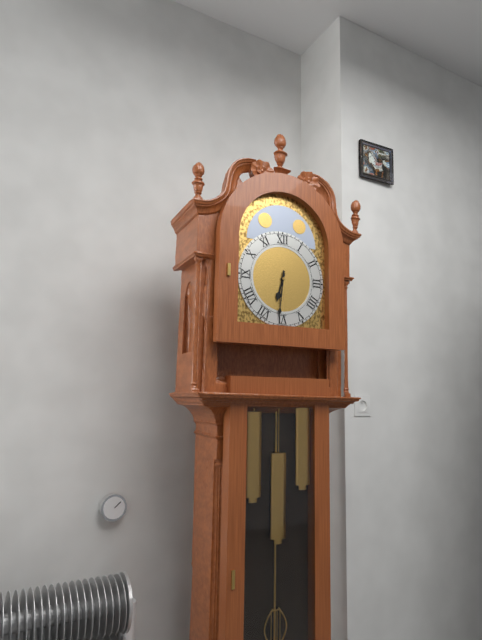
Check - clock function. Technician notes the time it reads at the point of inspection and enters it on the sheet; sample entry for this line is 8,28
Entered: 6,31
